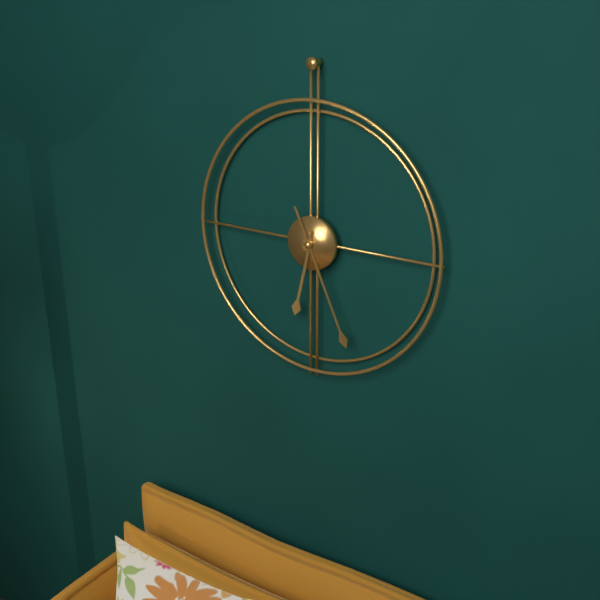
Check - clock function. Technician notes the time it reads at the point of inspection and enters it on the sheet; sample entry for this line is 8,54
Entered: 6,26
